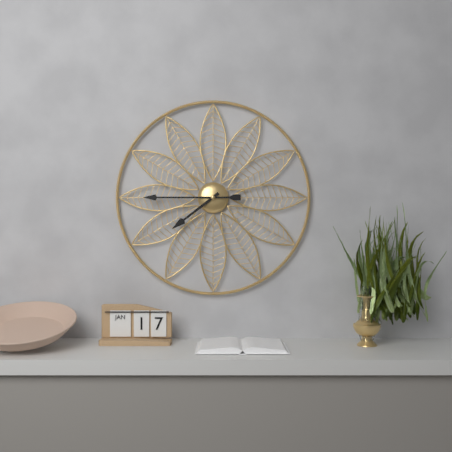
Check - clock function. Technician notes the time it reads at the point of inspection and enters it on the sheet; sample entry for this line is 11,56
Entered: 7,45
